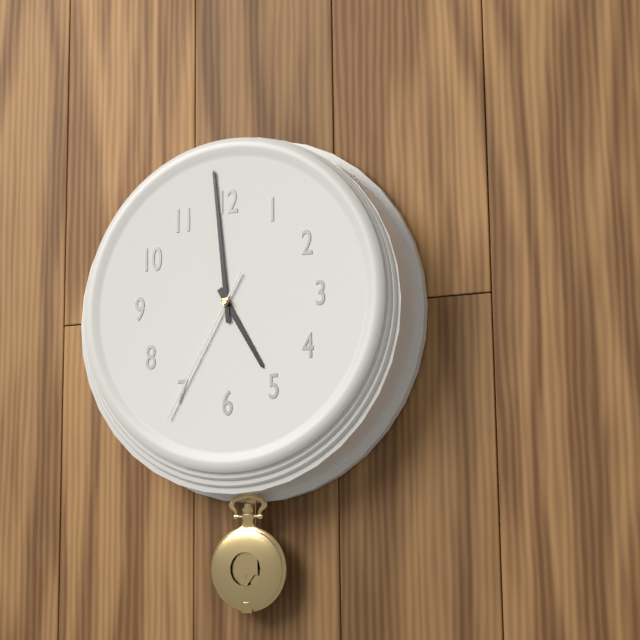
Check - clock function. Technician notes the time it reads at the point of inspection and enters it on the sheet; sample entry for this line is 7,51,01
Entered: 4,59,35
